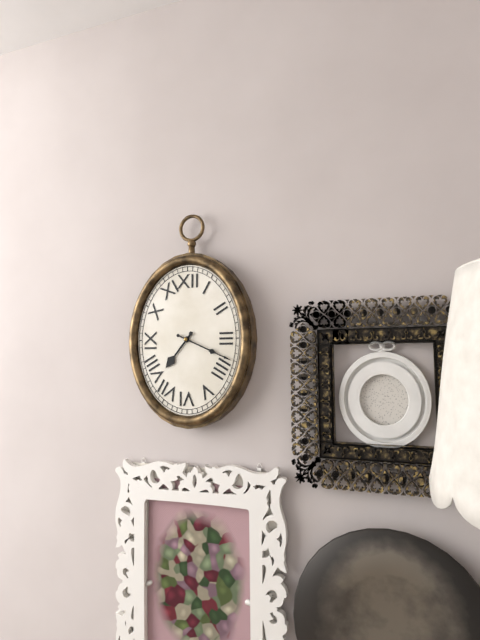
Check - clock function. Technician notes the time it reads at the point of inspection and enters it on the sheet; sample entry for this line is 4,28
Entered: 7,19
